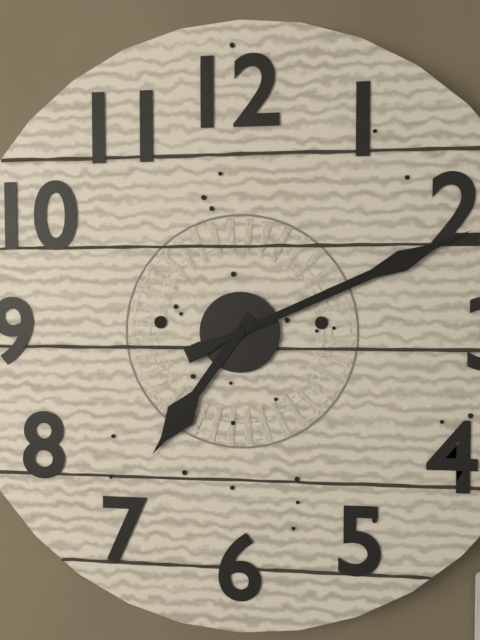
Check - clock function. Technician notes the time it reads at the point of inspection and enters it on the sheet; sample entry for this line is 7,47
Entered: 7,11
